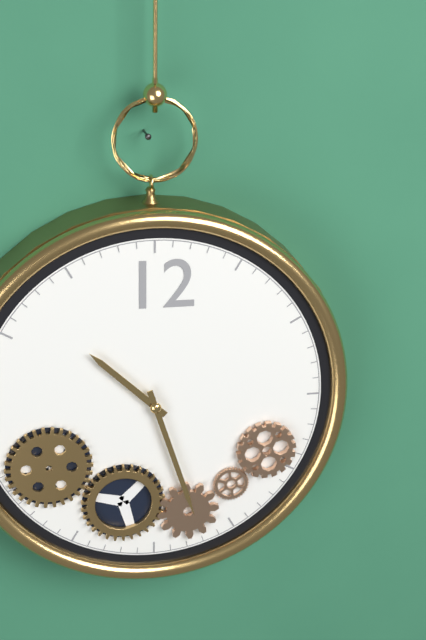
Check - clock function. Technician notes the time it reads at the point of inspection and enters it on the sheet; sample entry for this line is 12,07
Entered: 10,27
